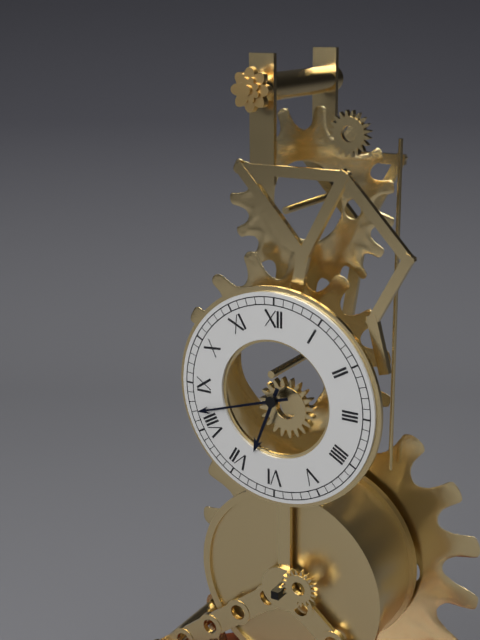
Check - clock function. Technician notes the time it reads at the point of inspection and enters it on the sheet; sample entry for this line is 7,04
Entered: 6,42
